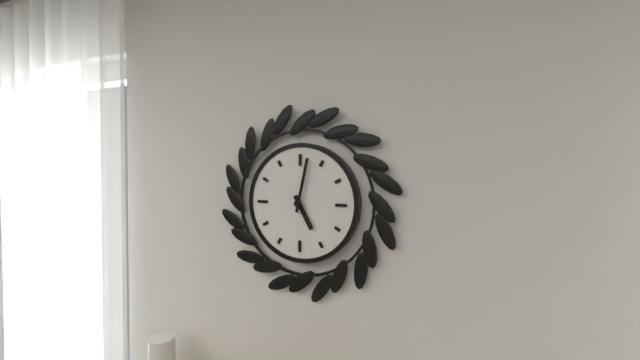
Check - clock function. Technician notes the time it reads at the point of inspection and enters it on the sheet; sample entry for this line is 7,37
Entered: 5,02
